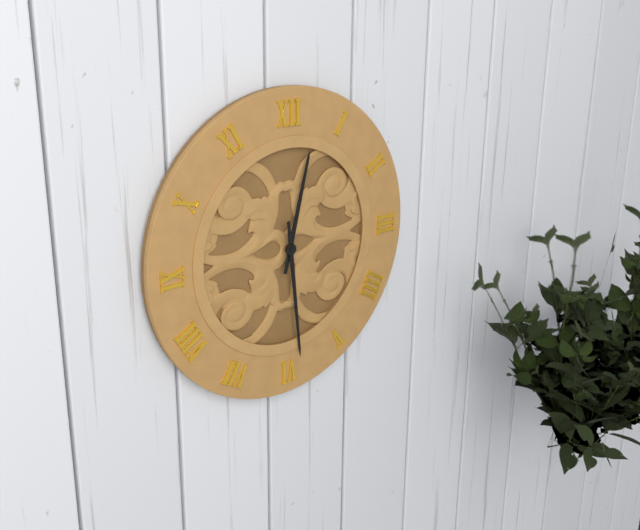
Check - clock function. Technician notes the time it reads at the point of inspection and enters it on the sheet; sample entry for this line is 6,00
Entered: 12,29
